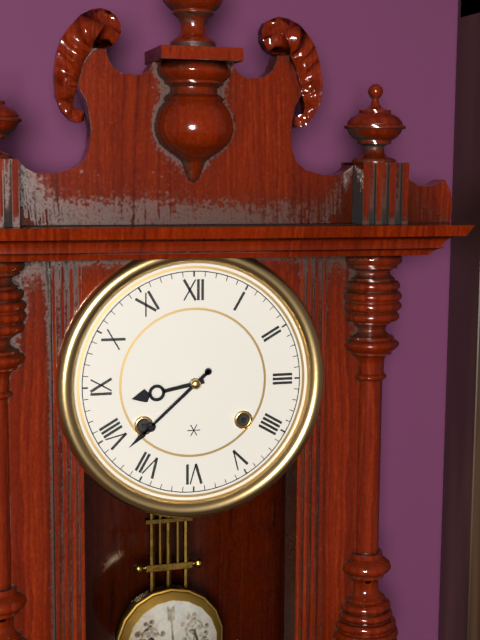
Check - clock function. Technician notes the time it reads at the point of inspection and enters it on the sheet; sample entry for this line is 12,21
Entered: 8,38
